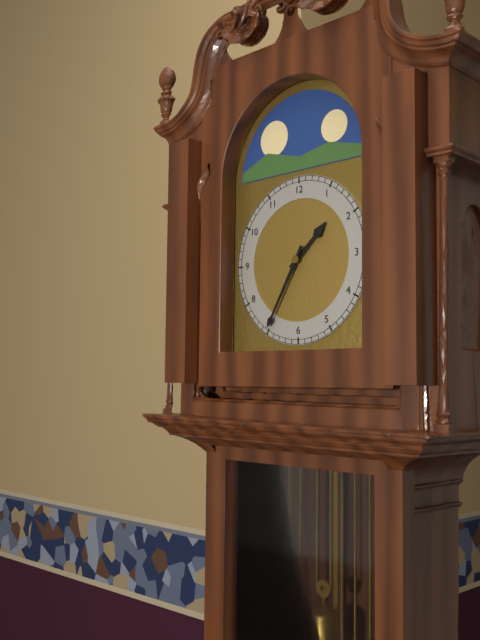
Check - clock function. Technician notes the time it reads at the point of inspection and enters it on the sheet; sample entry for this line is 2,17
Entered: 1,35
